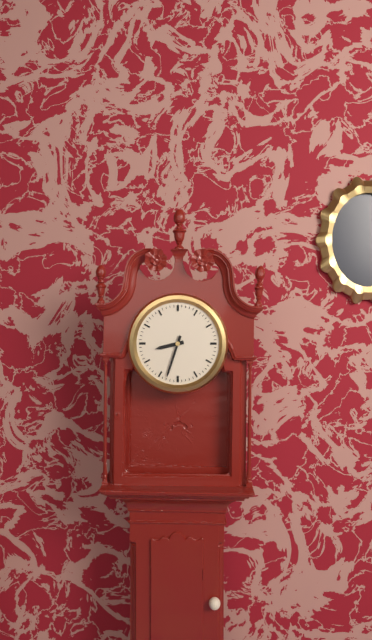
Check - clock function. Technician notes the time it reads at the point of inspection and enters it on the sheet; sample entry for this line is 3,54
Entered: 8,33
